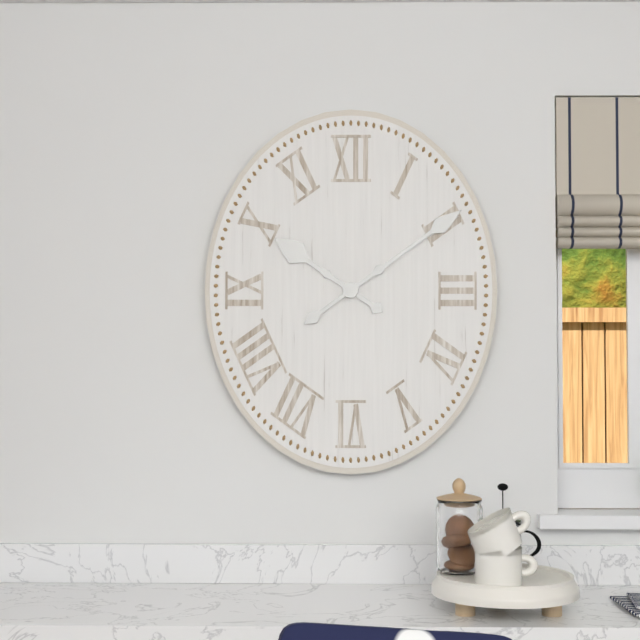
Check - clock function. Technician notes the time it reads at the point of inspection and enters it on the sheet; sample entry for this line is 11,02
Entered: 10,09
